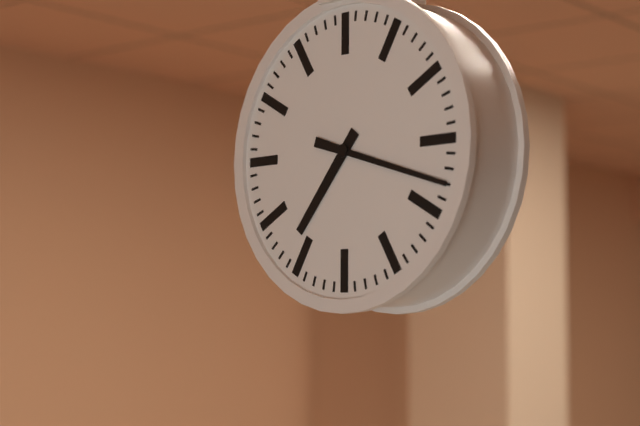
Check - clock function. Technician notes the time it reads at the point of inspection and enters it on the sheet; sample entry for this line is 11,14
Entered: 7,18
